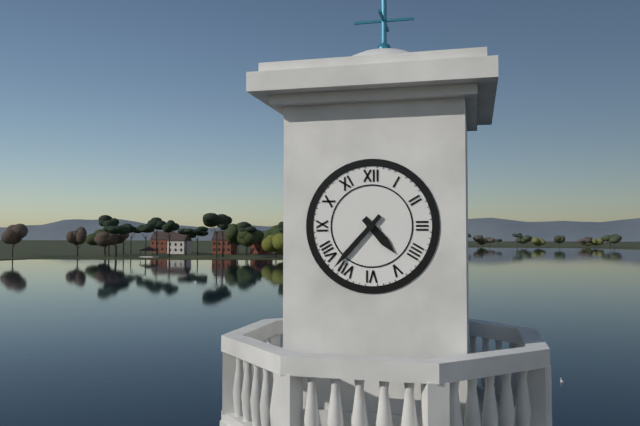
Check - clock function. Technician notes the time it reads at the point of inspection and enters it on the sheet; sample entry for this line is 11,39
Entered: 4,37
